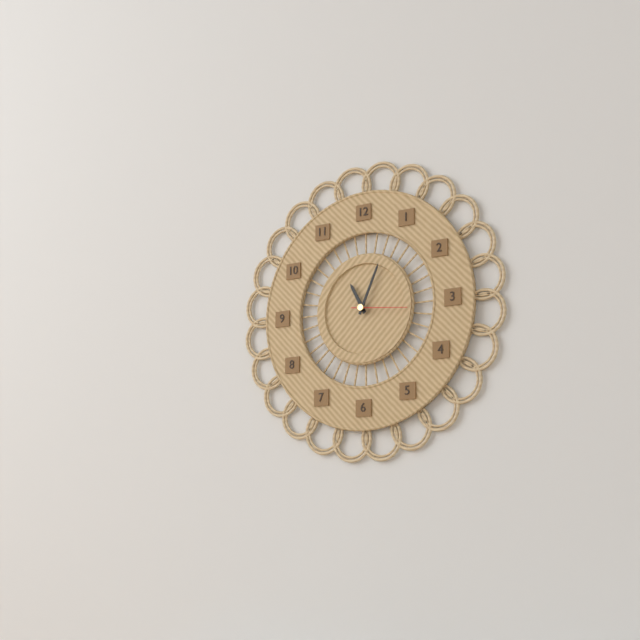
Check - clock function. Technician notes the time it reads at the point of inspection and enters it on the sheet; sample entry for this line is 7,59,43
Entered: 11,04,16
